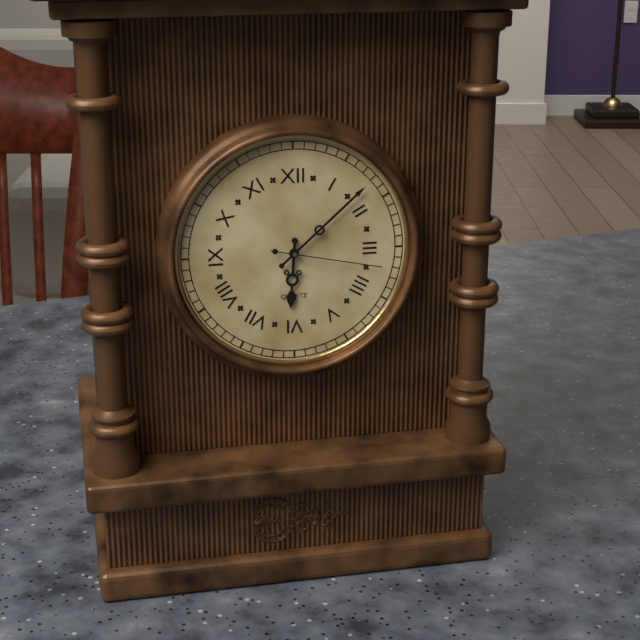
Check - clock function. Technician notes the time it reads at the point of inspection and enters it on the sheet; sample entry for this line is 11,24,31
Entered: 6,08,17
